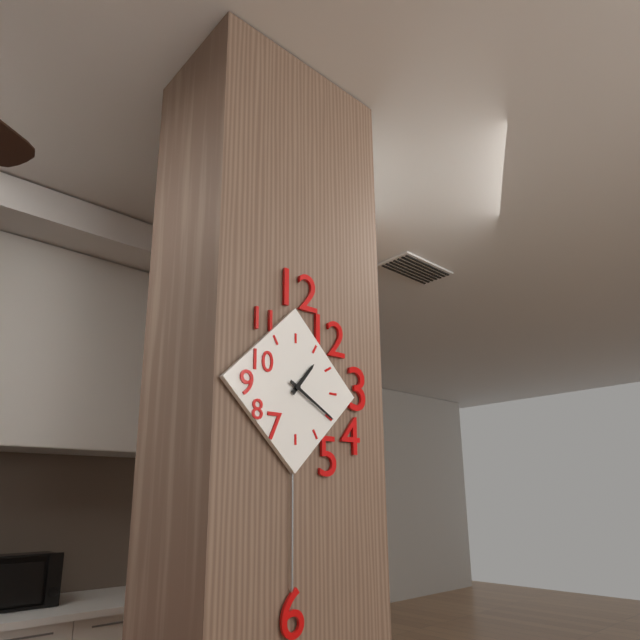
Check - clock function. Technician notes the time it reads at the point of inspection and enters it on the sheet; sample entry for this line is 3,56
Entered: 1,20
